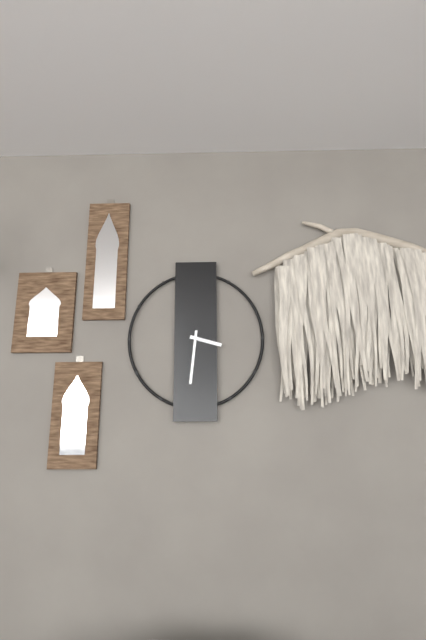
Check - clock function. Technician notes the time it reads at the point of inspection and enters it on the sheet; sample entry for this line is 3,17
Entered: 3,31
